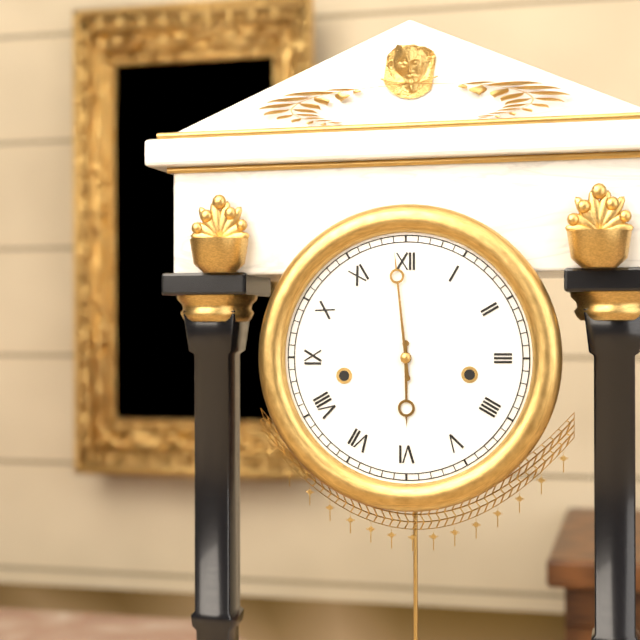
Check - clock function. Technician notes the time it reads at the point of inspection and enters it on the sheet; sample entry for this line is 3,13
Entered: 5,59
